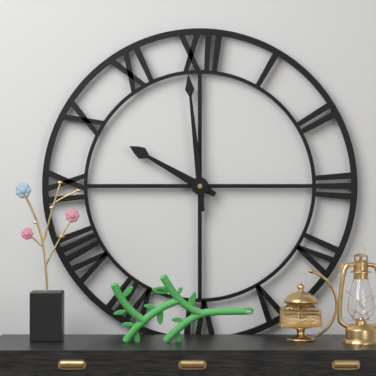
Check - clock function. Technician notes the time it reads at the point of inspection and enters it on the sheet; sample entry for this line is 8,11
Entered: 9,59
